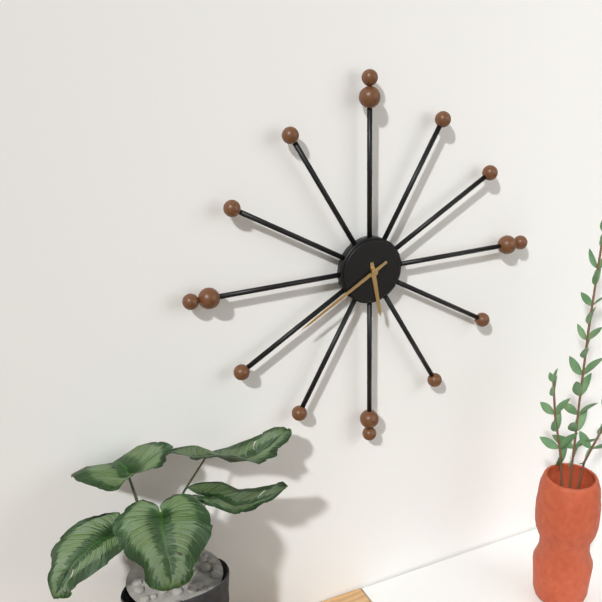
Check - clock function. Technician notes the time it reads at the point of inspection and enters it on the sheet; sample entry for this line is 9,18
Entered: 5,40
